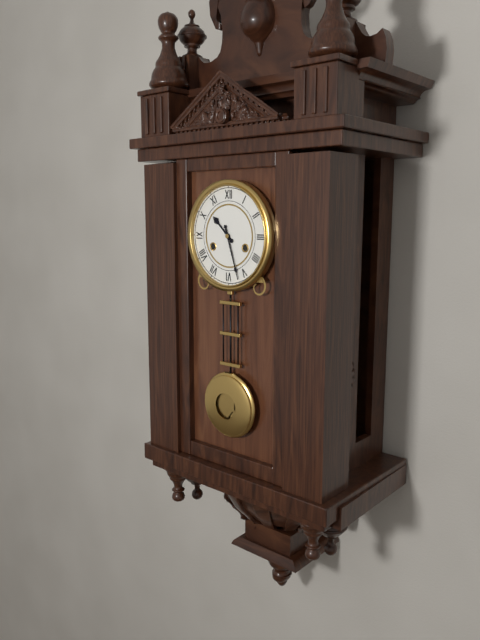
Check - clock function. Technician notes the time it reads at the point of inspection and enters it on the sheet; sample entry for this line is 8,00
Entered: 10,27
